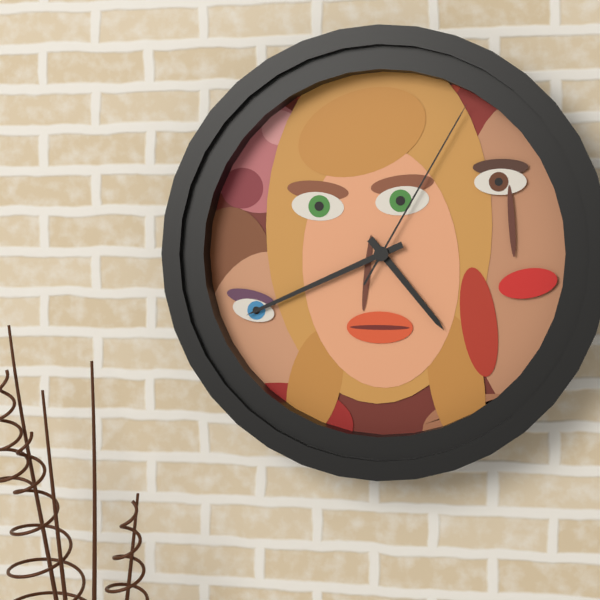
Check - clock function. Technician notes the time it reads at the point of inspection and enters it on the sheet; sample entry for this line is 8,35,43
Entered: 4,41,05
